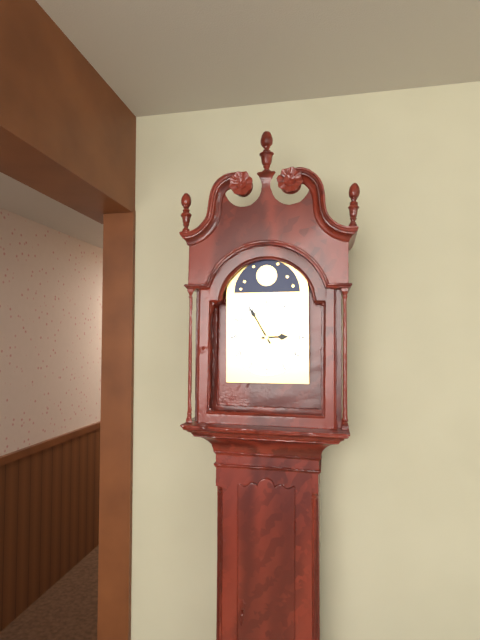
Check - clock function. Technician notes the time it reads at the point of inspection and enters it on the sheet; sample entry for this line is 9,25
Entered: 2,55
